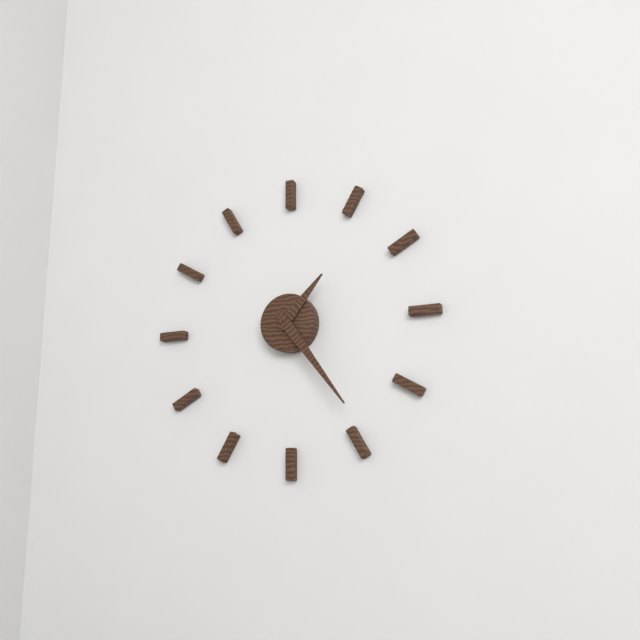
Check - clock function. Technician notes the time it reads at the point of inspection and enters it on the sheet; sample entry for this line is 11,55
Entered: 1,24
